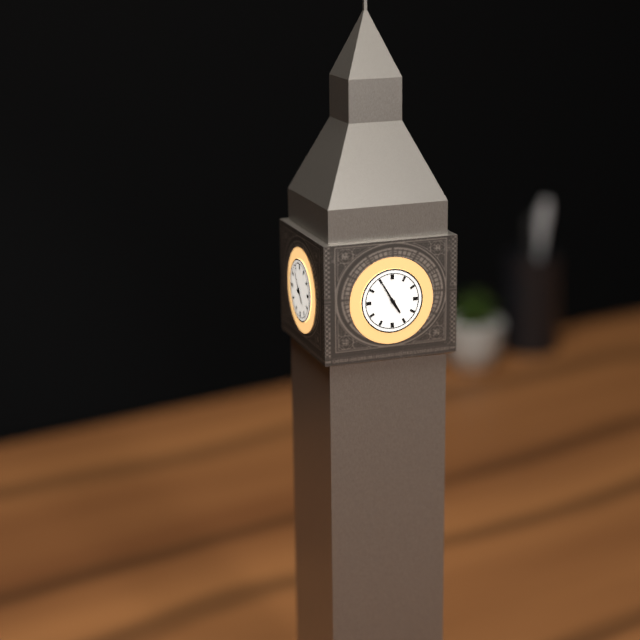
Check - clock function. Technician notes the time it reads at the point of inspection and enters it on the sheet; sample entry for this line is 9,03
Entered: 4,55
